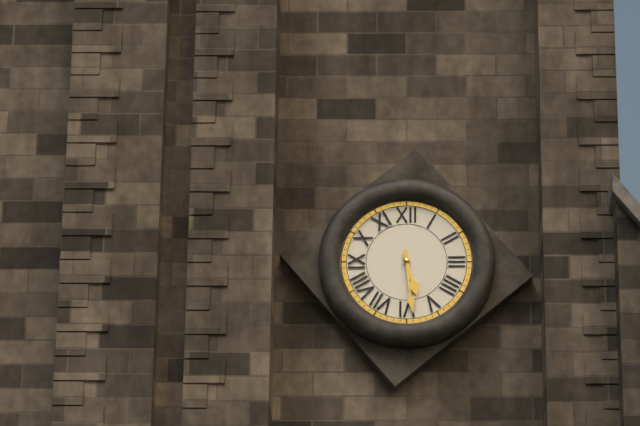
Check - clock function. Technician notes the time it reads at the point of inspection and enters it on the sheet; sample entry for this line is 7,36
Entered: 5,29
